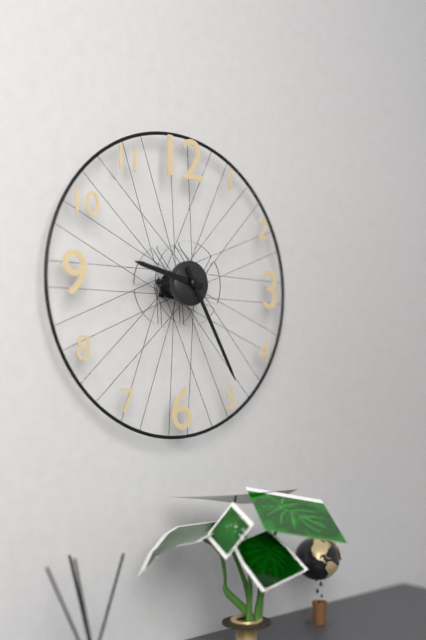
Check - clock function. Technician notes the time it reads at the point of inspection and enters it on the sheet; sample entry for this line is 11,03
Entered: 9,25
